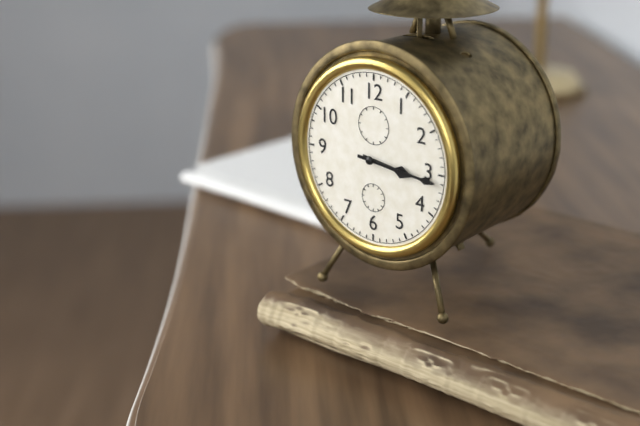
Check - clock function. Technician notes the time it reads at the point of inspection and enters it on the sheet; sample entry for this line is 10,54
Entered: 3,16
